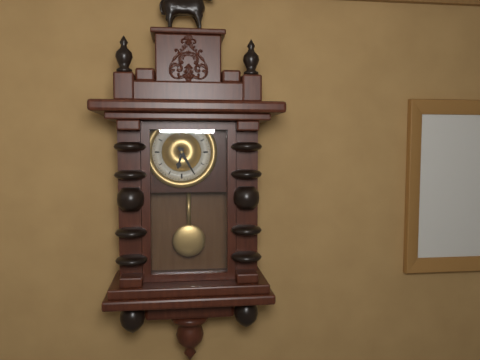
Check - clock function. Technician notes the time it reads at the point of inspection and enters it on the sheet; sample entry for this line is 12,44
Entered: 6,25
